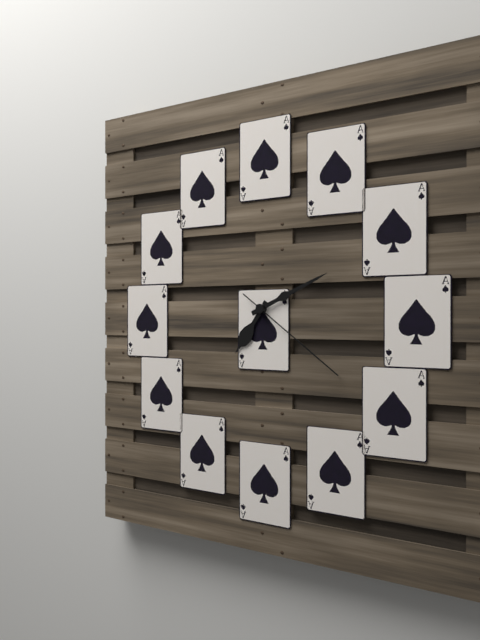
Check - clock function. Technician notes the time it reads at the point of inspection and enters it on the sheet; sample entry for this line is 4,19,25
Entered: 7,11,21
